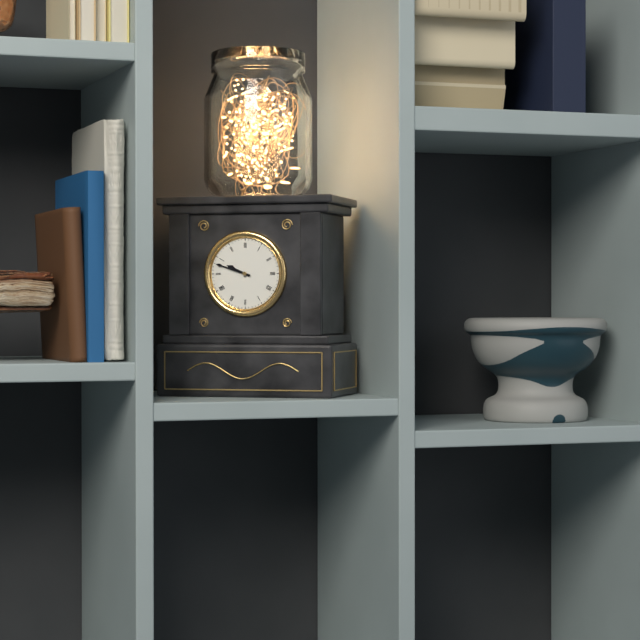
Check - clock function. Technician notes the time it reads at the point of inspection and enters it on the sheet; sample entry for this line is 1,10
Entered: 9,48
